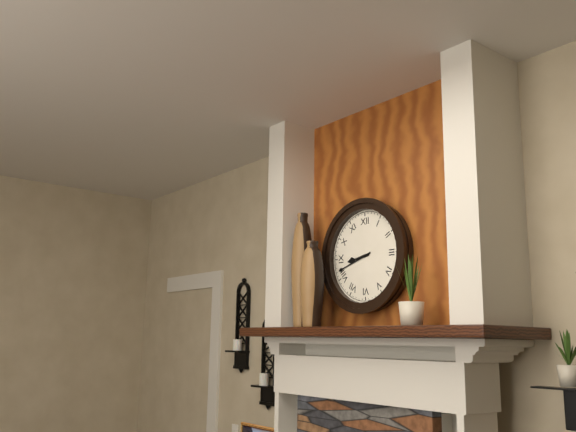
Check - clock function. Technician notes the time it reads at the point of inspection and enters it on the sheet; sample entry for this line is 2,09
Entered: 8,42
